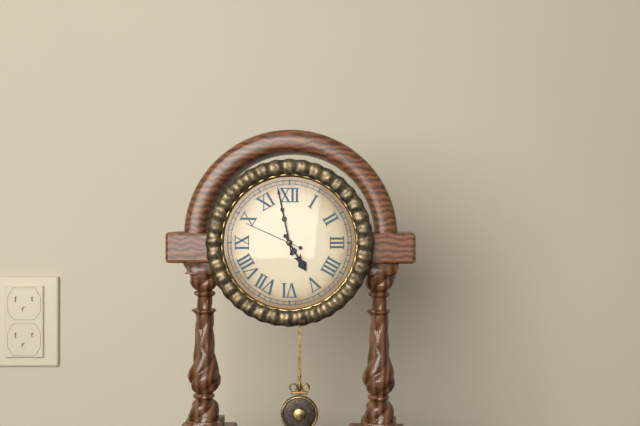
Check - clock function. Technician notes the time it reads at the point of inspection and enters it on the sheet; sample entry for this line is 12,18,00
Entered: 4,58,49
